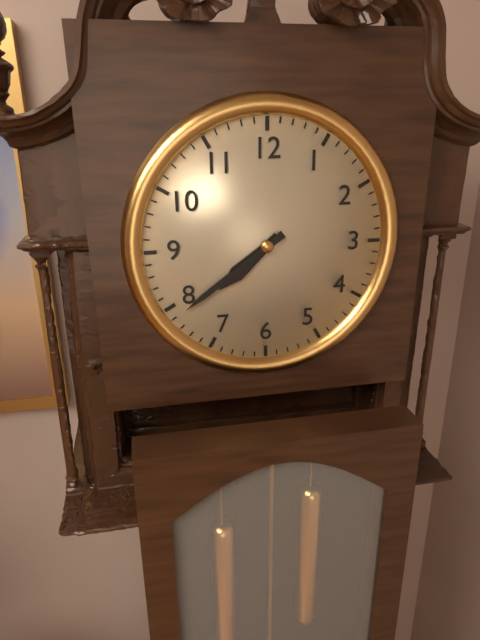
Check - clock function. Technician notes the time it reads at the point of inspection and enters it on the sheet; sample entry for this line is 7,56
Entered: 7,39
